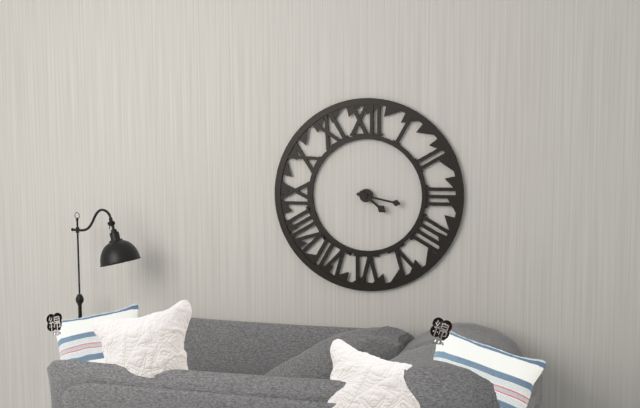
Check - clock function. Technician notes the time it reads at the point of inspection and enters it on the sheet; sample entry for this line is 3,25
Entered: 4,17
